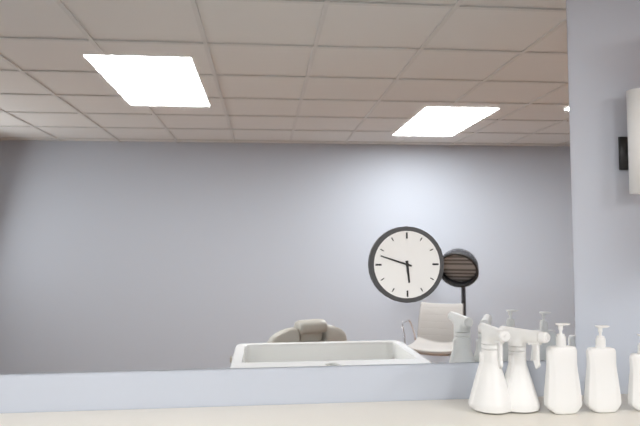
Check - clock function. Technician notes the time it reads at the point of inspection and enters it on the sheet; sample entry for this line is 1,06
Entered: 5,48
